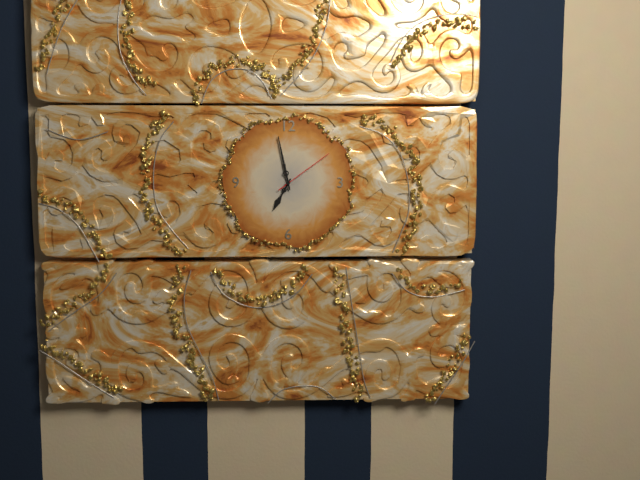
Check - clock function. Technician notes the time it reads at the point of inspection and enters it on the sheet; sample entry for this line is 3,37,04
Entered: 6,58,09
